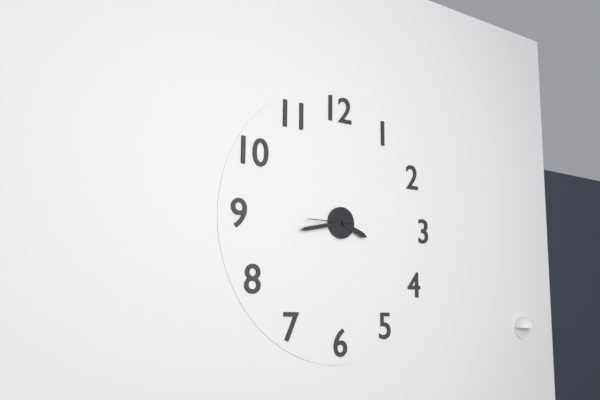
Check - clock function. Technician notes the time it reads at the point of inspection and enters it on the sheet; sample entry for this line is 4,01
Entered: 3,43
